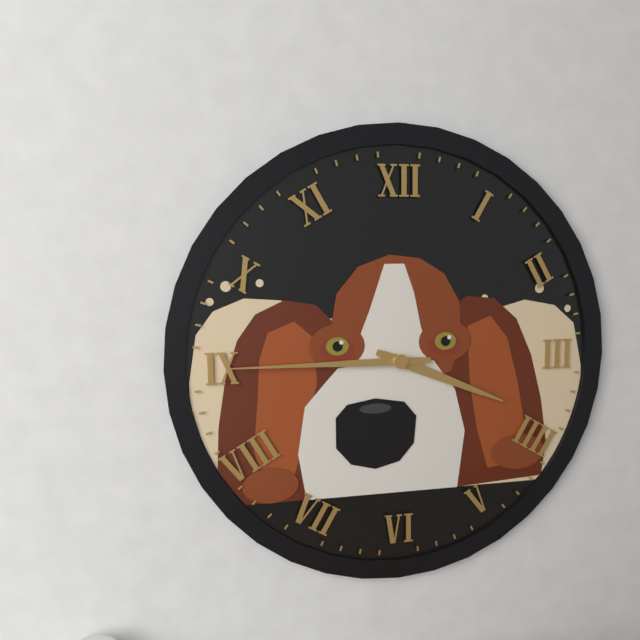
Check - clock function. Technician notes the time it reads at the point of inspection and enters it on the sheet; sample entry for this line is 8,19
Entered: 3,45
